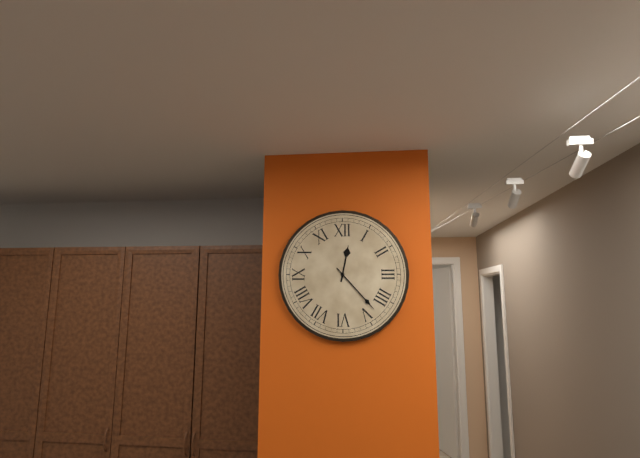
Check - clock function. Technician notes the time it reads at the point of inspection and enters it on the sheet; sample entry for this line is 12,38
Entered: 12,23
